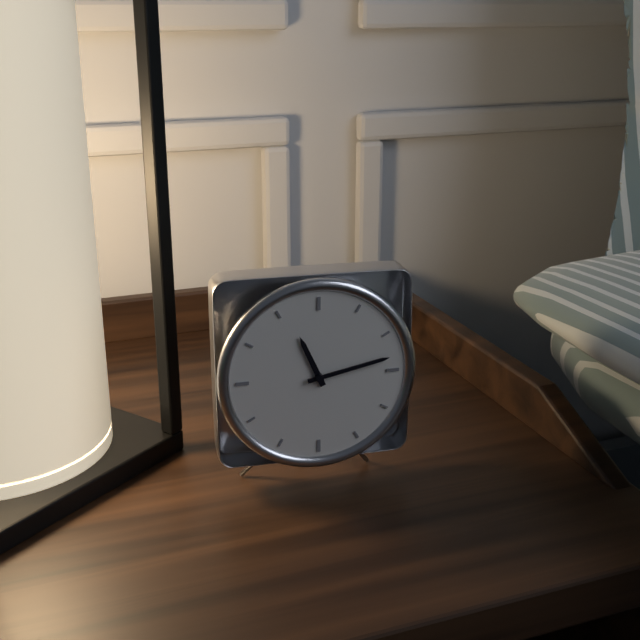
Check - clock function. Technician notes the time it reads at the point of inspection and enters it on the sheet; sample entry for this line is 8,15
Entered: 11,13
